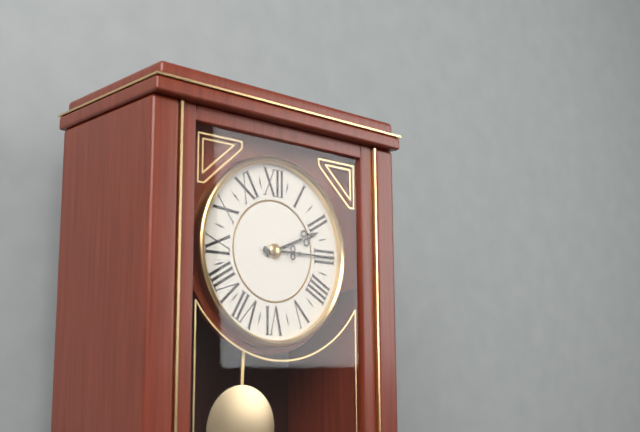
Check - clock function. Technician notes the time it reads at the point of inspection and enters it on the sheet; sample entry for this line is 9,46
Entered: 2,15
